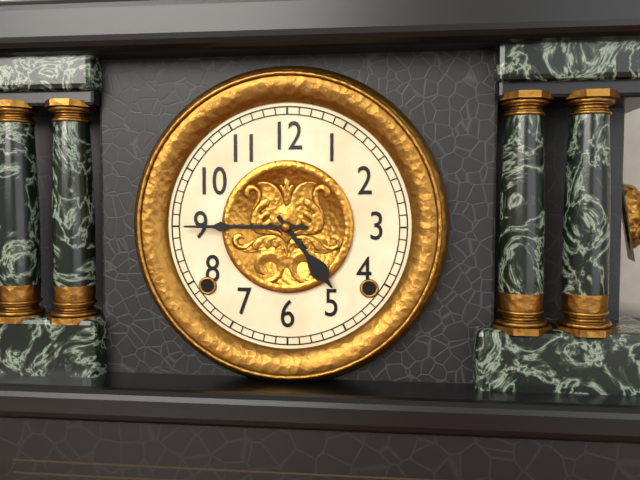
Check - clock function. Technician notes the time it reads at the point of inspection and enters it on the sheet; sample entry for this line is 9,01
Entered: 4,45
